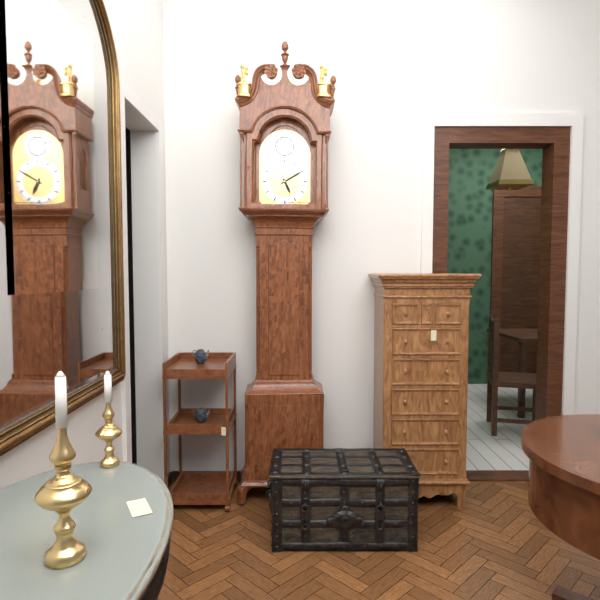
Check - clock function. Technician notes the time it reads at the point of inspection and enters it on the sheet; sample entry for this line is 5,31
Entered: 5,10
